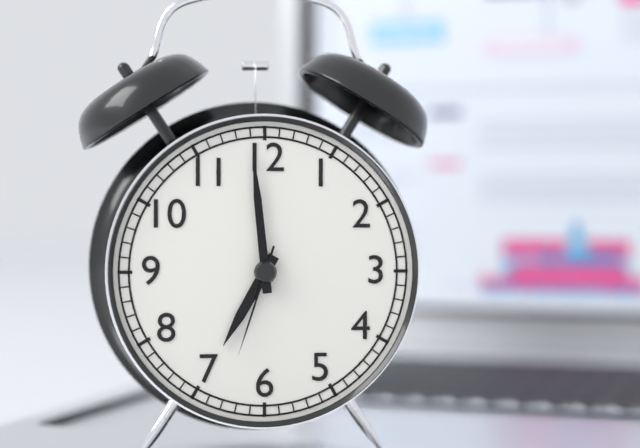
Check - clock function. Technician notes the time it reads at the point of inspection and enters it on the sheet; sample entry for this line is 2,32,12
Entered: 6,59,33
